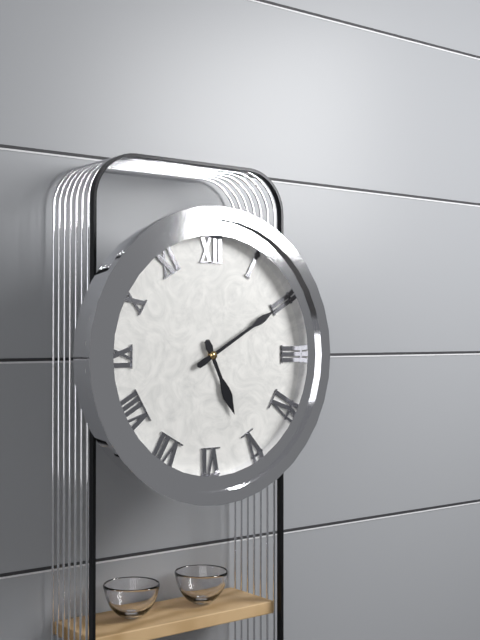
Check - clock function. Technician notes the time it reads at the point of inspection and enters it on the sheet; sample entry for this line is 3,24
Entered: 5,10
